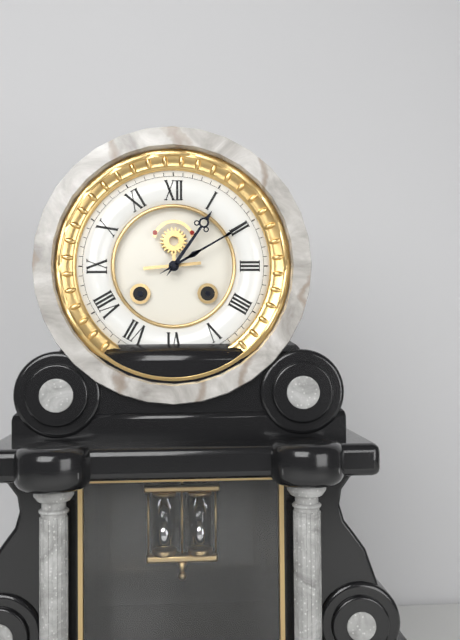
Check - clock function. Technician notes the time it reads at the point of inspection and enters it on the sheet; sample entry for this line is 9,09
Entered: 1,10
